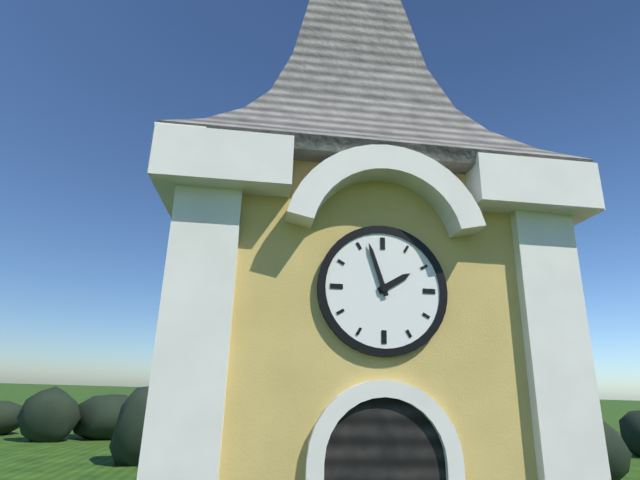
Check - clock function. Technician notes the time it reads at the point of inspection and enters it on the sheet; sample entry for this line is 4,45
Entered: 1,57
